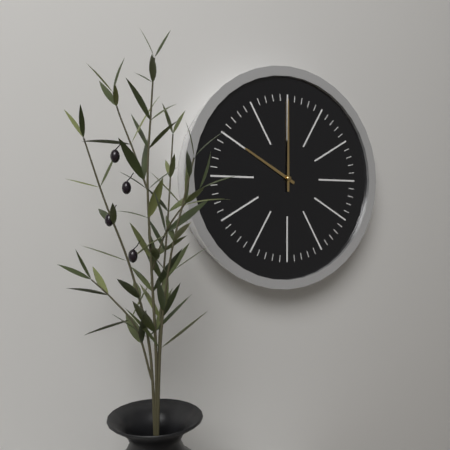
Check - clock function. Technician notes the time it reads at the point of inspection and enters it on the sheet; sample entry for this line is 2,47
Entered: 10,00
